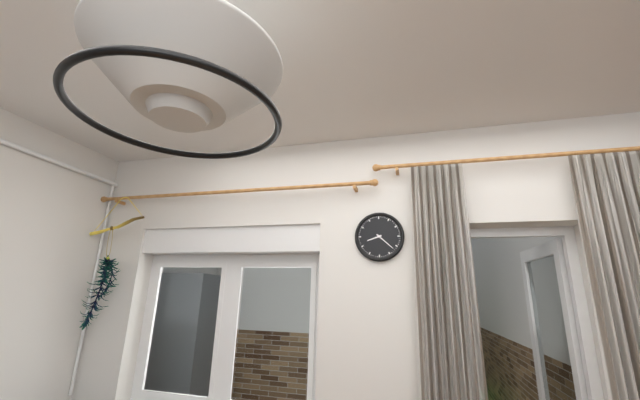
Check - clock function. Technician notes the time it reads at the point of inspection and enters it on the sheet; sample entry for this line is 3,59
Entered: 8,22
